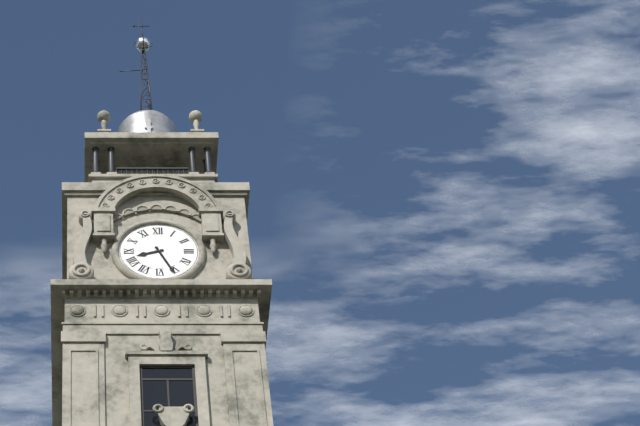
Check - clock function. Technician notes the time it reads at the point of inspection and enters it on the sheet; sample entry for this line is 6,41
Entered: 8,26
